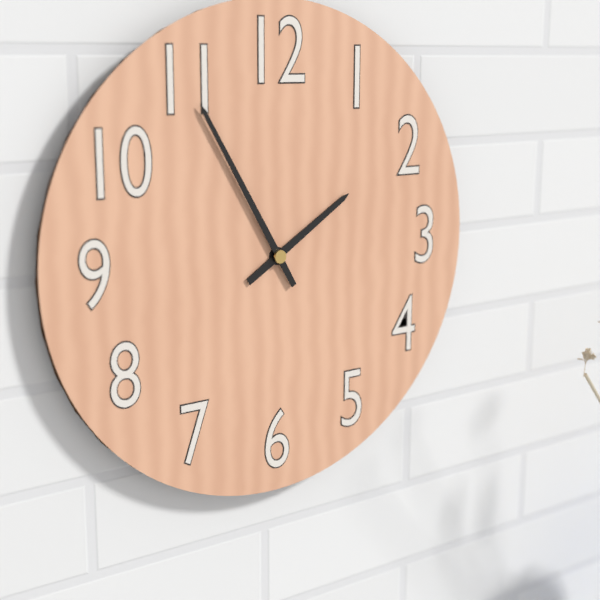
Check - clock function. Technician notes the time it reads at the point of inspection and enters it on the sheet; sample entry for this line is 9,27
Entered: 1,55
